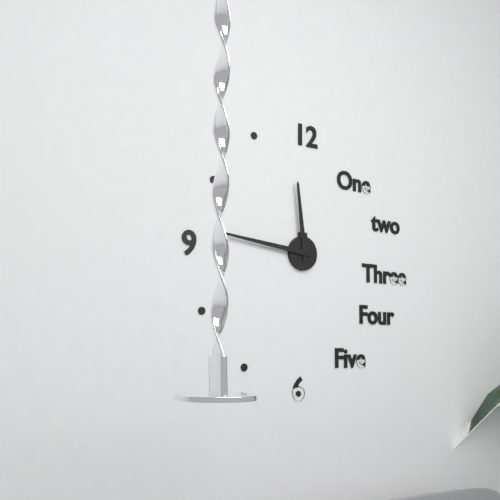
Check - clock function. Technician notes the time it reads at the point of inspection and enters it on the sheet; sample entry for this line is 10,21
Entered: 11,46
